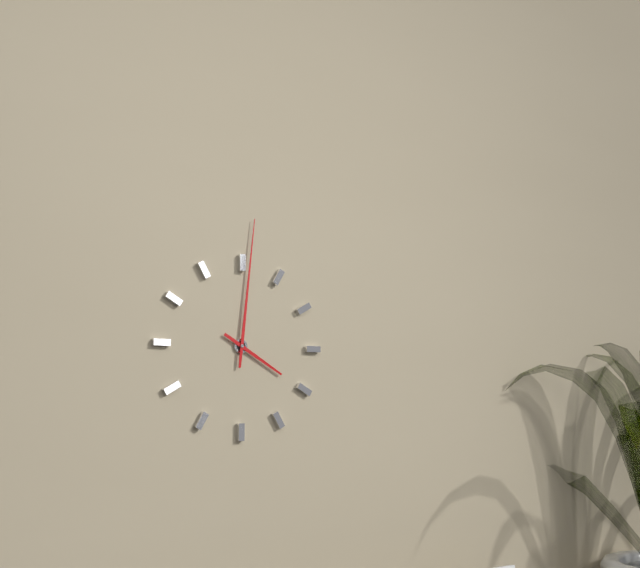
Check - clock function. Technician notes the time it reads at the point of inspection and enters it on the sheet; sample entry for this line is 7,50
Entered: 4,01
